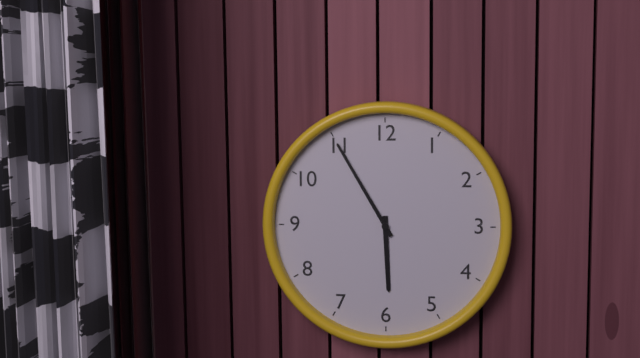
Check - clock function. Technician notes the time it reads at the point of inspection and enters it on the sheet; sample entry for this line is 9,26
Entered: 5,55
